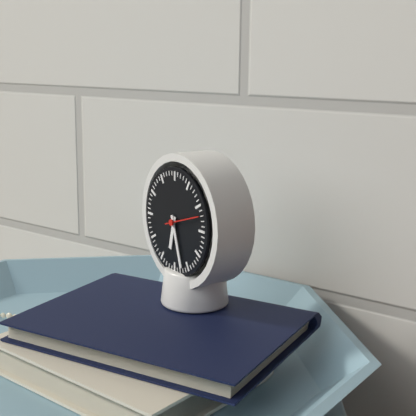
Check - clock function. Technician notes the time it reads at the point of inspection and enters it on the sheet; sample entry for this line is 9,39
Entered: 6,27
